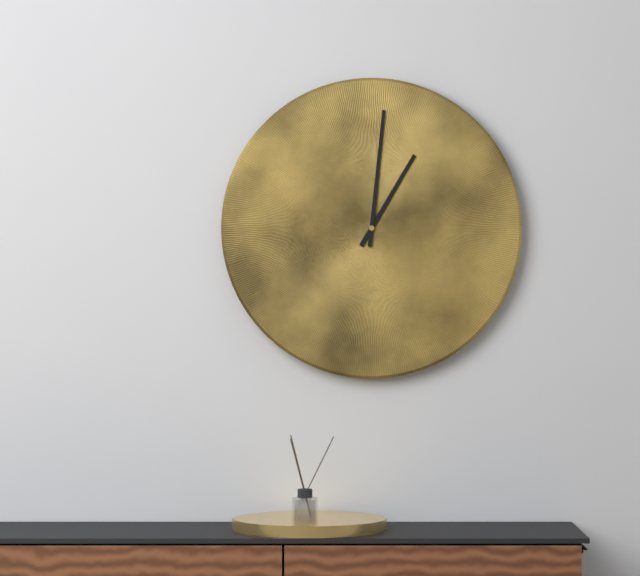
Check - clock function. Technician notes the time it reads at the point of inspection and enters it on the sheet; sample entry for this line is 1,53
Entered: 1,01
